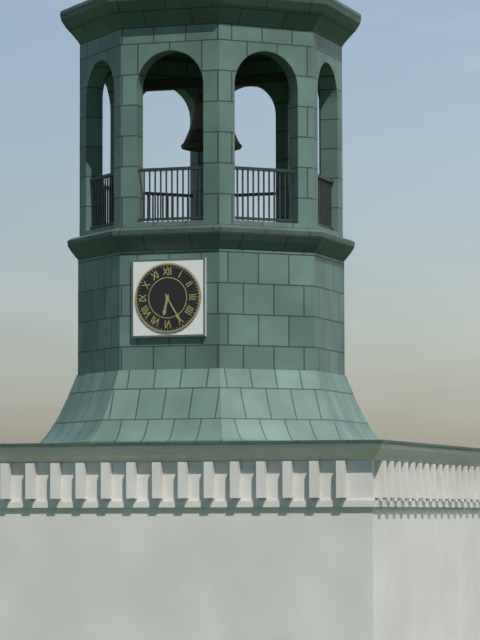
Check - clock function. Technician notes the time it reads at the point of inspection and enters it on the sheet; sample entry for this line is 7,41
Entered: 6,25
